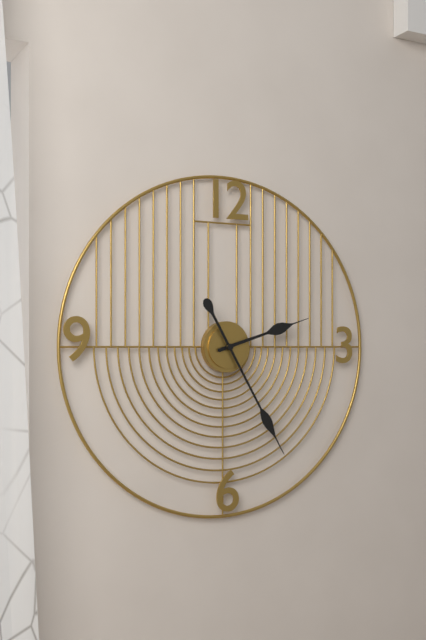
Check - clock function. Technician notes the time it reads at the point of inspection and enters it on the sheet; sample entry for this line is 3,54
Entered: 2,25
